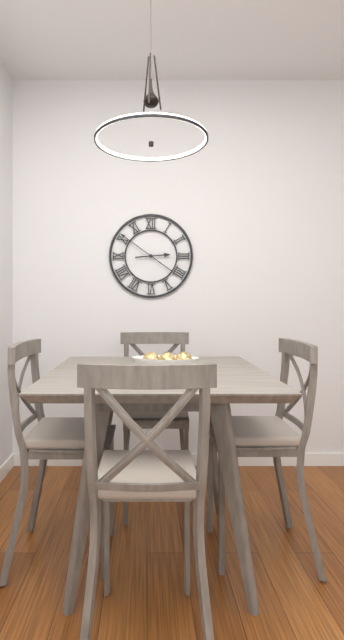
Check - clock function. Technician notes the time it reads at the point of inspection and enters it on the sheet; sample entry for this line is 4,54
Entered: 2,51
